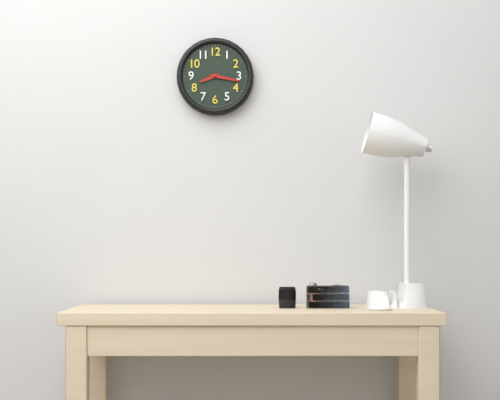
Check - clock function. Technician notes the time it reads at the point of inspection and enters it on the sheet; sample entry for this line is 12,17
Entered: 8,17
